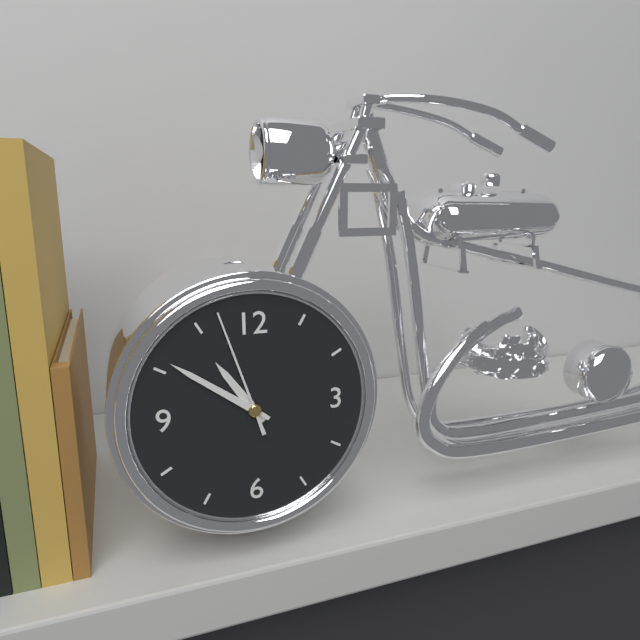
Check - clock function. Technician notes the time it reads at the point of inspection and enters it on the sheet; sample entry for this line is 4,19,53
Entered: 10,51,57
